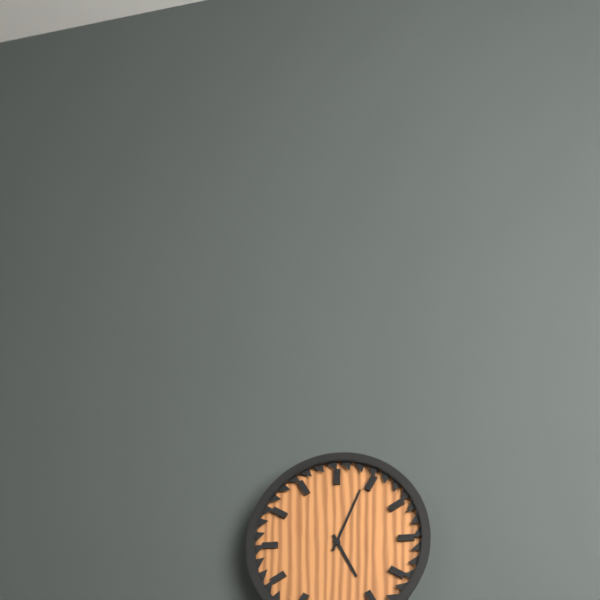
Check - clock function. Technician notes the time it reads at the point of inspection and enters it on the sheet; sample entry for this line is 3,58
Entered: 5,04
